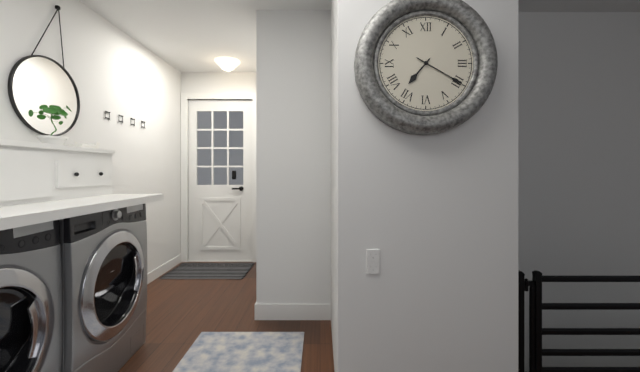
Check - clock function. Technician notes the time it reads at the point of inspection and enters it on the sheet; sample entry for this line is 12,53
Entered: 7,20
